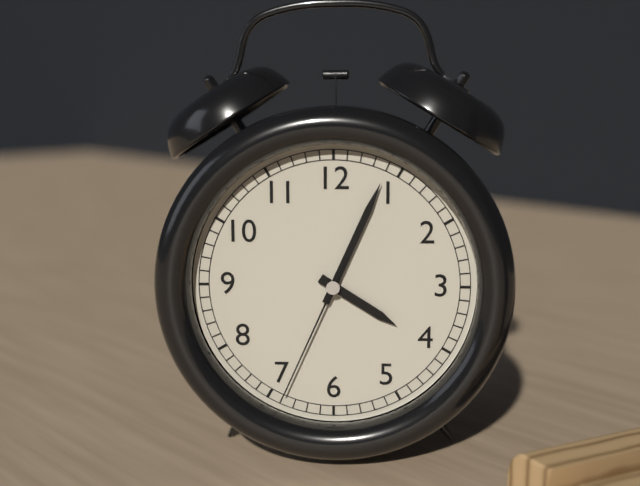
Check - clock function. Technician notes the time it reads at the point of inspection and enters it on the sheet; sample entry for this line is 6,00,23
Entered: 4,04,34
